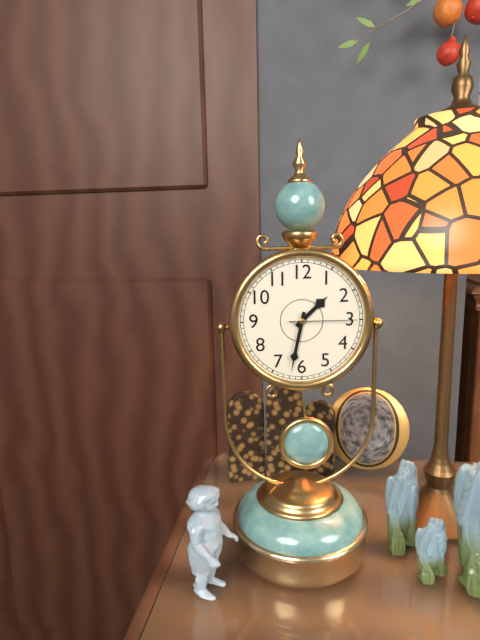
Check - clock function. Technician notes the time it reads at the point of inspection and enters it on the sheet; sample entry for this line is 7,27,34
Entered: 1,32,15
